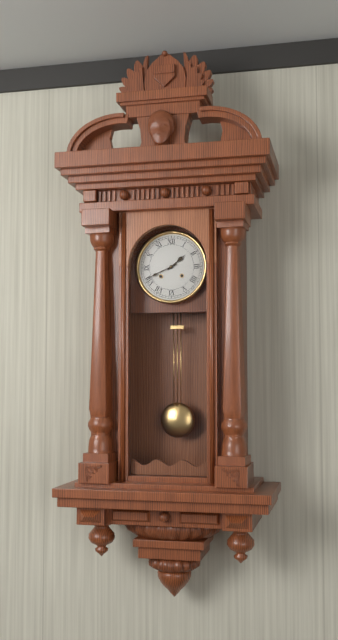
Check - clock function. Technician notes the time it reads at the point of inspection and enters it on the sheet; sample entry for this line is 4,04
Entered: 1,41
